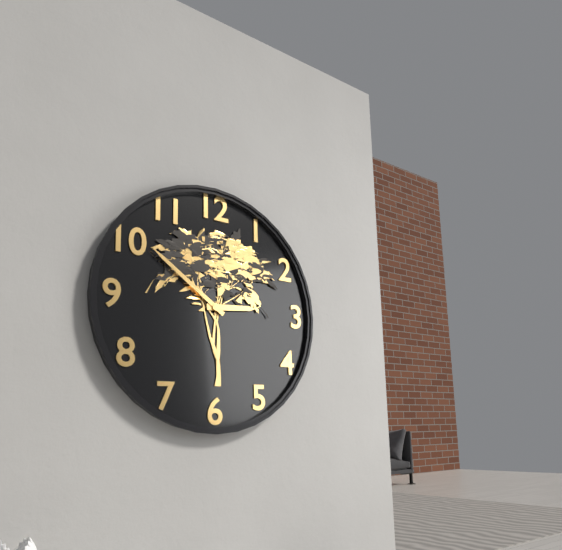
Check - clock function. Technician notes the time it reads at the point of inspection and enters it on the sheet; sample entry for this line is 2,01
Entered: 2,51
